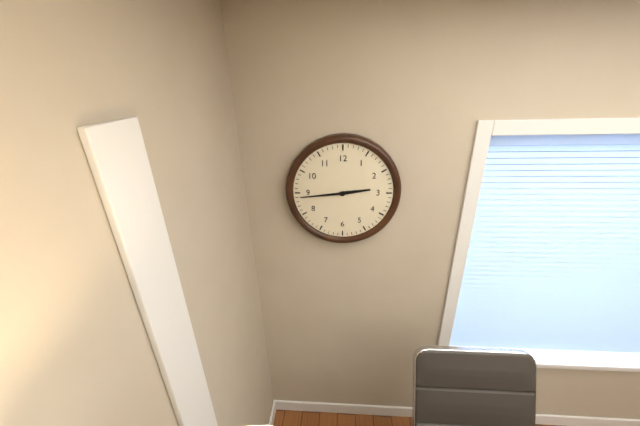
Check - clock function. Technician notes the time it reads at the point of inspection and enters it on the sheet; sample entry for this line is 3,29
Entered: 2,44
